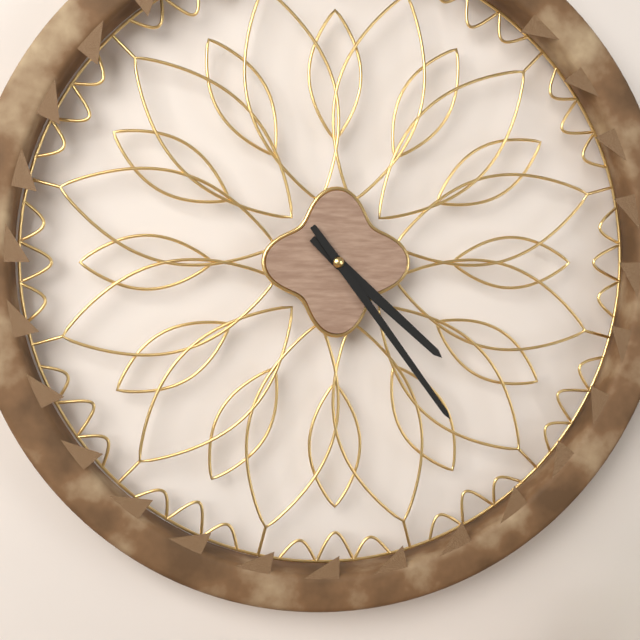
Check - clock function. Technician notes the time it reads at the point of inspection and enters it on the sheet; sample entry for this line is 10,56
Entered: 4,24
